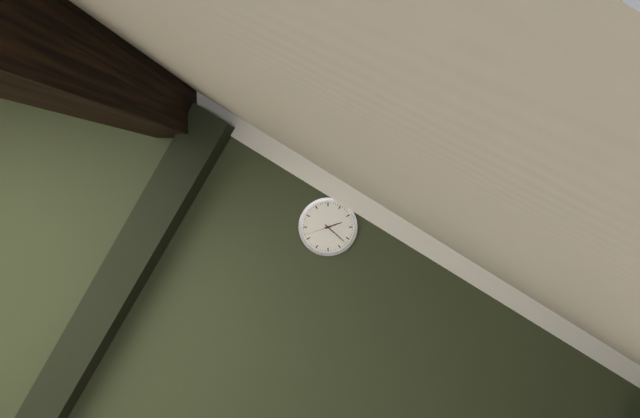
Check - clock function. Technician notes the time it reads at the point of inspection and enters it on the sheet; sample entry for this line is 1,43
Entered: 2,22
